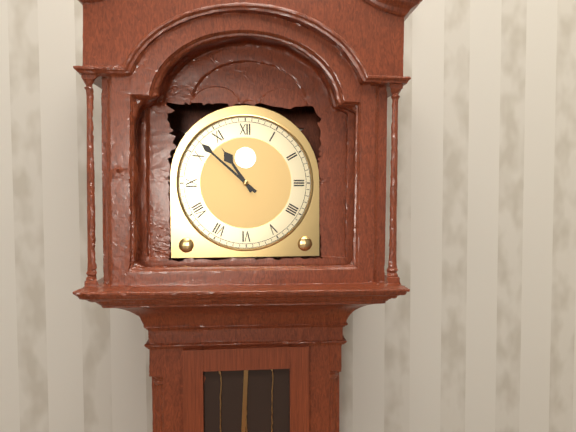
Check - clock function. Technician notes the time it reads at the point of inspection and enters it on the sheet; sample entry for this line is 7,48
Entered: 10,52
